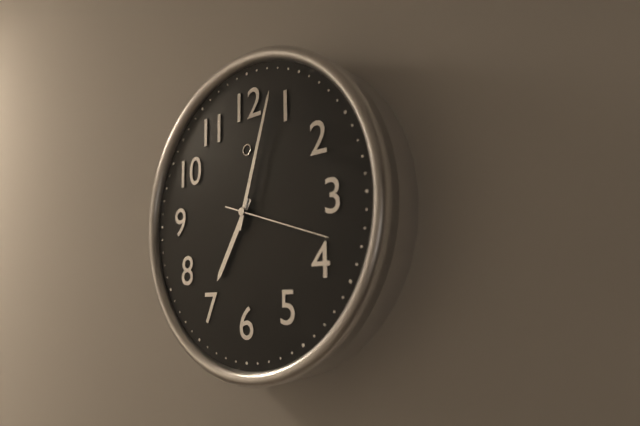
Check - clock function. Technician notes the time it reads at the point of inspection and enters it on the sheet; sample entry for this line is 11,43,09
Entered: 7,03,18
